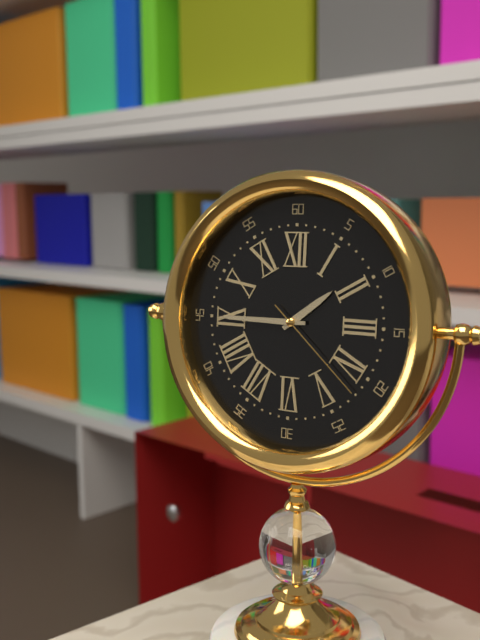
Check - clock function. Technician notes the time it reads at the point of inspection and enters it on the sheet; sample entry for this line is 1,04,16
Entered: 1,45,22
